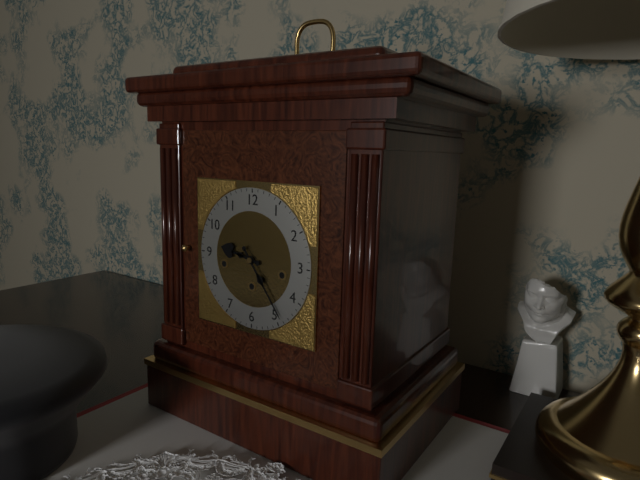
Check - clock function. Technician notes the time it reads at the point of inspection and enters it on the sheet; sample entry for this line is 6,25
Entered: 9,24
